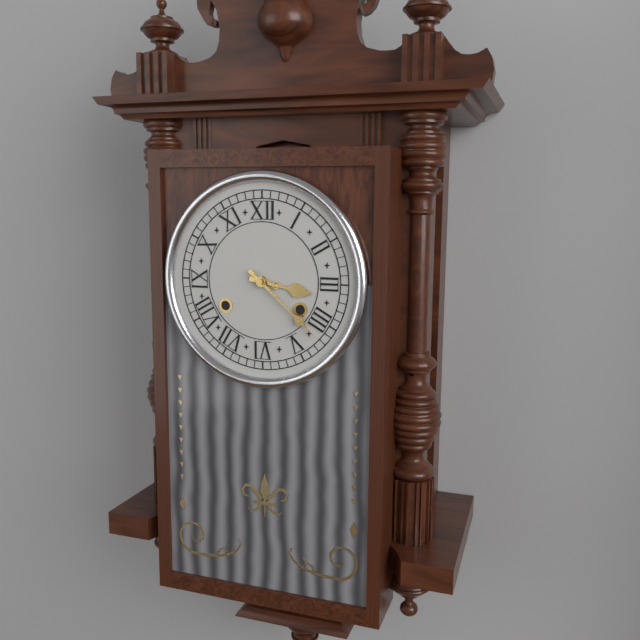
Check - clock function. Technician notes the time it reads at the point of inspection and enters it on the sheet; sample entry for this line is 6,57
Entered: 3,22
